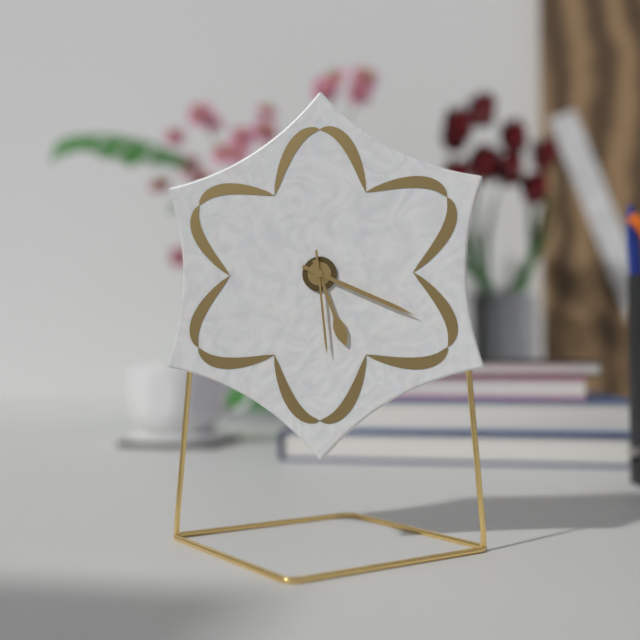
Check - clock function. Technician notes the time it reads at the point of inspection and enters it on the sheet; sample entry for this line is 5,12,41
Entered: 5,19,29
